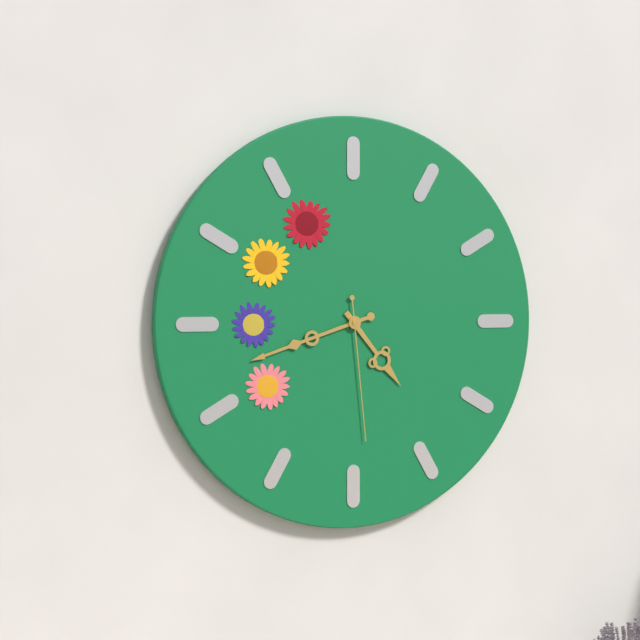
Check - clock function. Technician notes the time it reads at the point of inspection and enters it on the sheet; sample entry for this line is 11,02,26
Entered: 4,42,29
